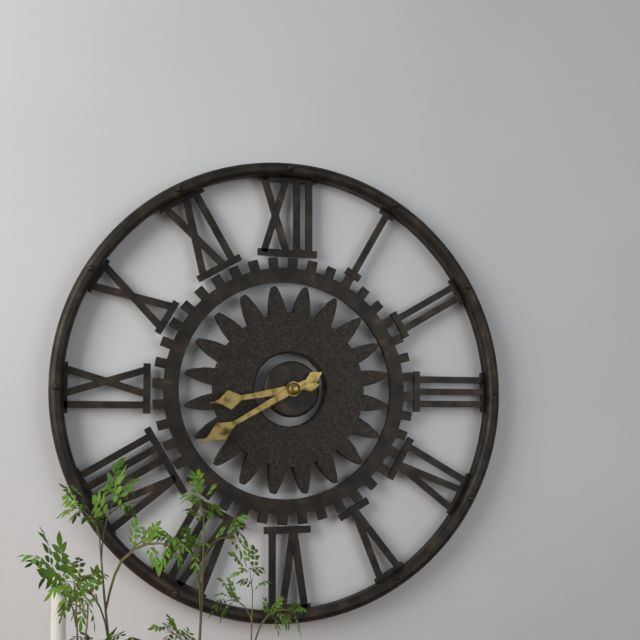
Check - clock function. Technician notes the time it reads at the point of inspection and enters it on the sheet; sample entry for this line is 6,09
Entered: 8,40
